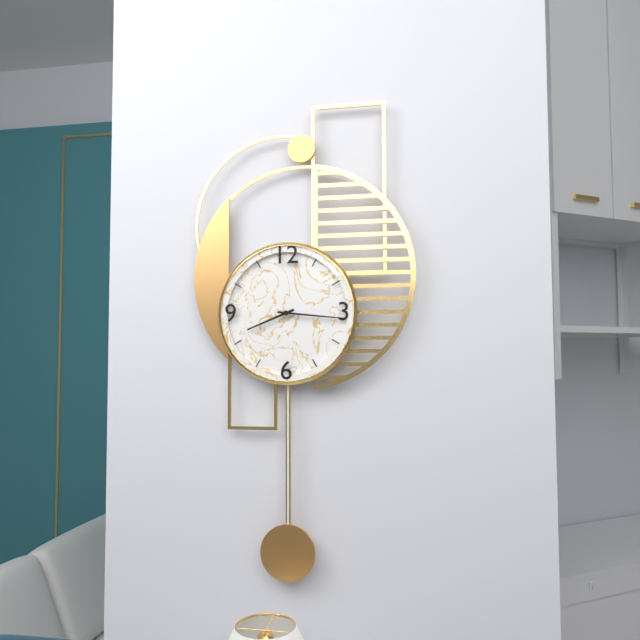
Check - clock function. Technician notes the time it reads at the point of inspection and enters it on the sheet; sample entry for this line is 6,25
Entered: 8,16
